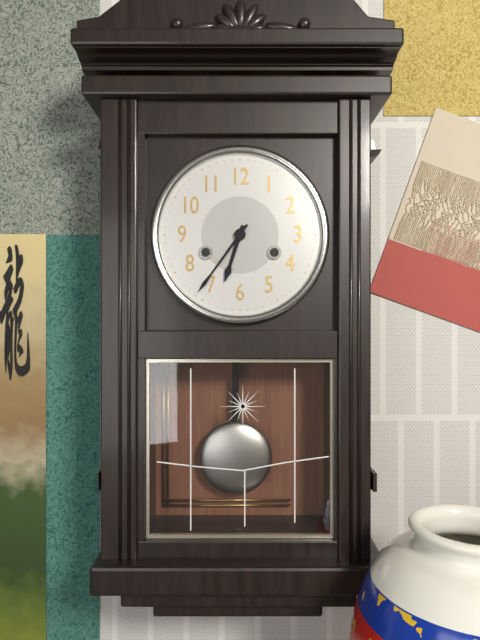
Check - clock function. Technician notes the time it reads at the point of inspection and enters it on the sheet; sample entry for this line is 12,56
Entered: 6,36
